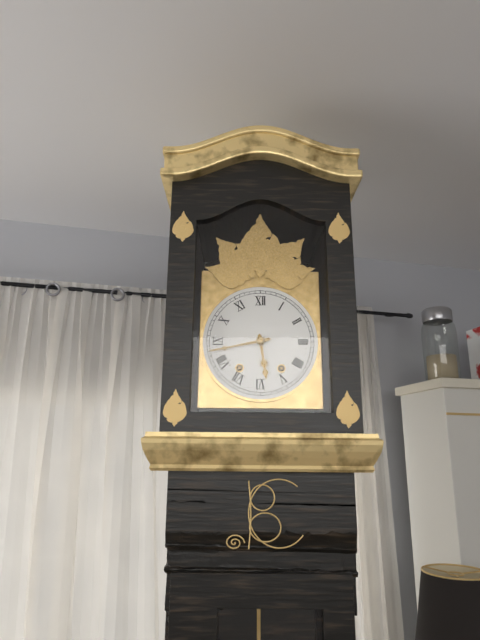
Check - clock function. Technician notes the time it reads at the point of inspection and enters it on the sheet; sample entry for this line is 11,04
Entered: 5,43
